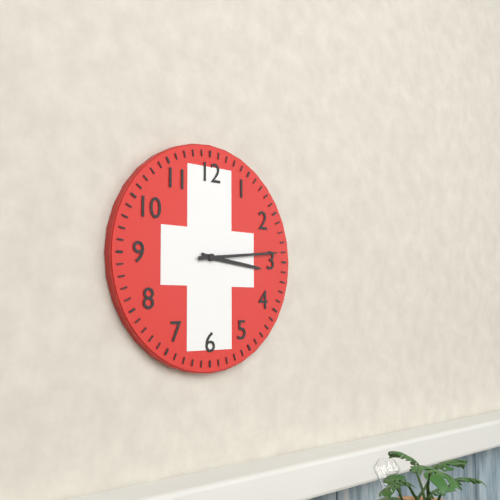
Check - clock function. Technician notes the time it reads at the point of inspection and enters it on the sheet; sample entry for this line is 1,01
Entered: 3,14
